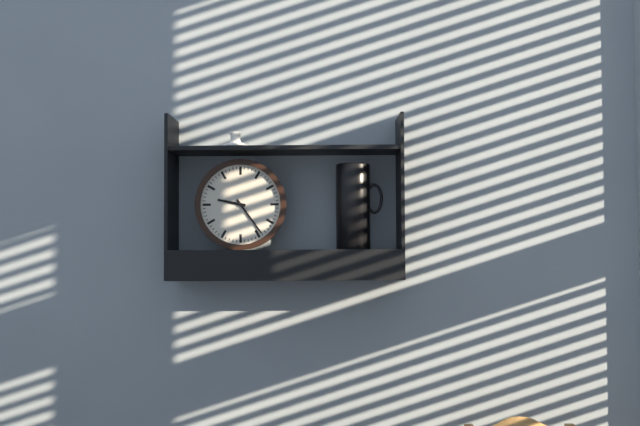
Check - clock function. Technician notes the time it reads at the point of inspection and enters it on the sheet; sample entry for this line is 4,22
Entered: 9,24
